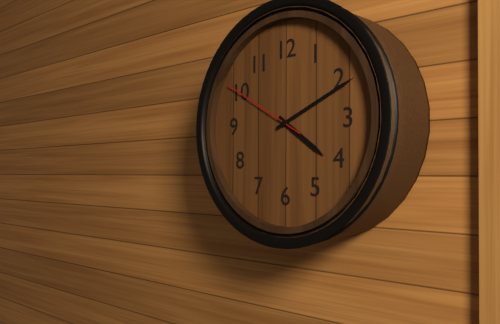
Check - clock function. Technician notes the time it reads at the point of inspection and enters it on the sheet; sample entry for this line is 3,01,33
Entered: 4,11,50
